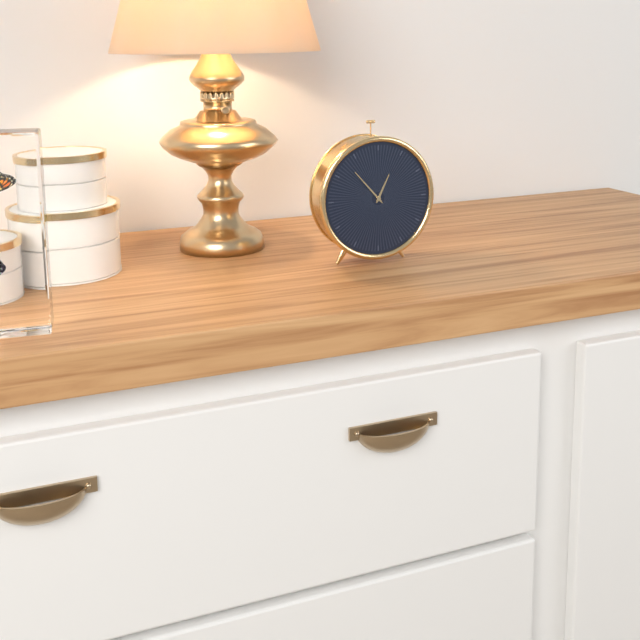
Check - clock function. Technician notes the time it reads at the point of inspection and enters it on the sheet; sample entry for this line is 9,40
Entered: 12,53
